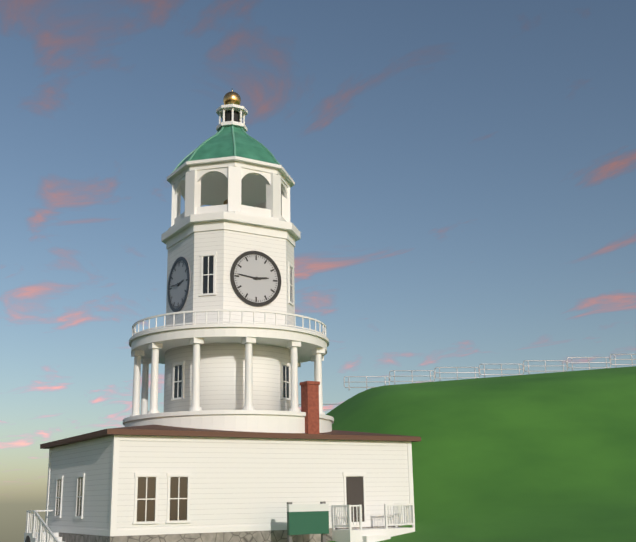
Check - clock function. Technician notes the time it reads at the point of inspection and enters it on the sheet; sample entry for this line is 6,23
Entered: 2,46
